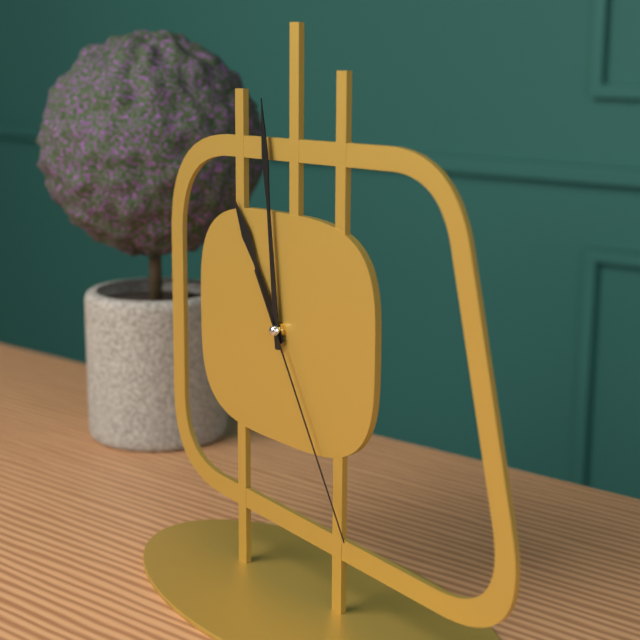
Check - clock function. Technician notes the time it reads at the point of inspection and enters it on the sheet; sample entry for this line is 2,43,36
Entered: 10,59,25
